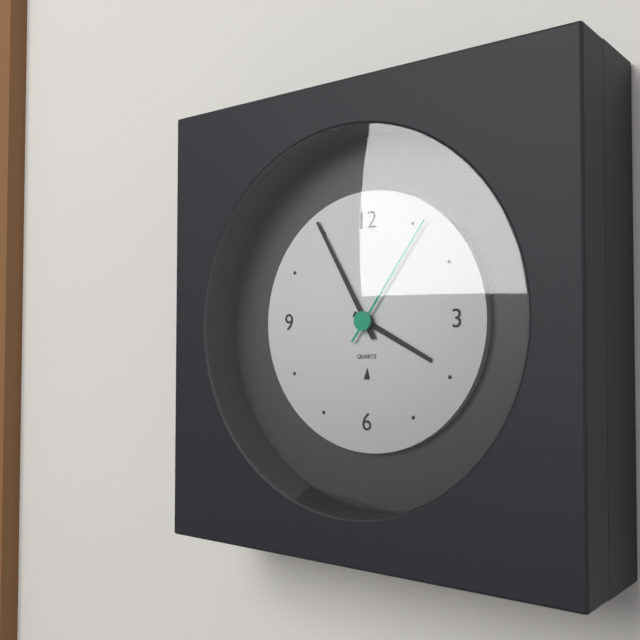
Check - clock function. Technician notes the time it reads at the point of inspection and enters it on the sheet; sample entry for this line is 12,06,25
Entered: 3,55,06
